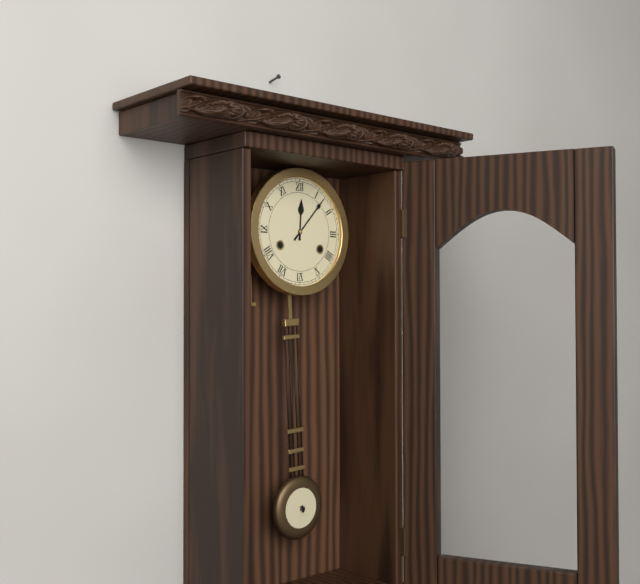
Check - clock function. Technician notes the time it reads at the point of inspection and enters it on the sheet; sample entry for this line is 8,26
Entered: 12,07
